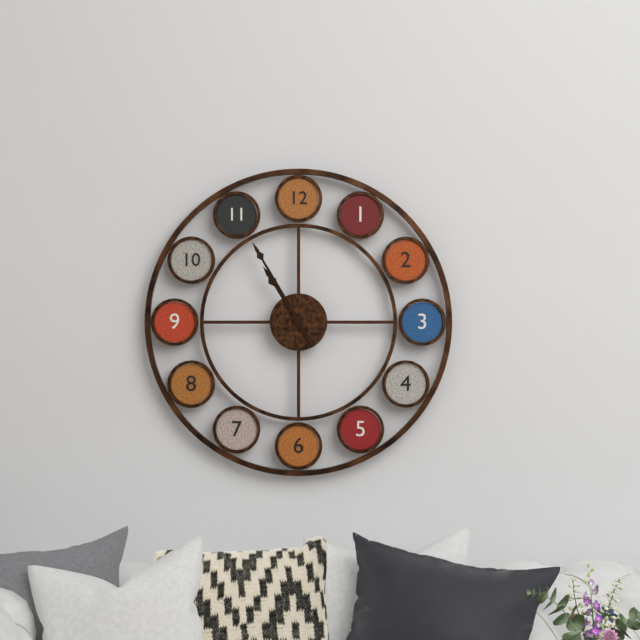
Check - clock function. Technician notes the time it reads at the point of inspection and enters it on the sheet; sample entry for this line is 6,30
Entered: 10,55
